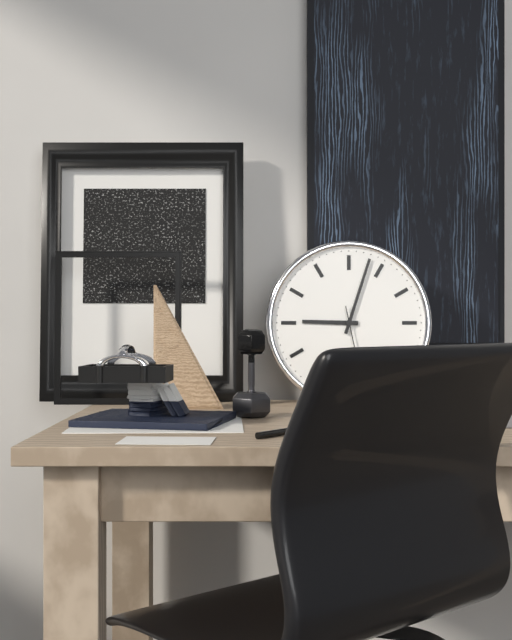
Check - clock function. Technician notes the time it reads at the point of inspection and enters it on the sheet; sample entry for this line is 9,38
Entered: 9,03
